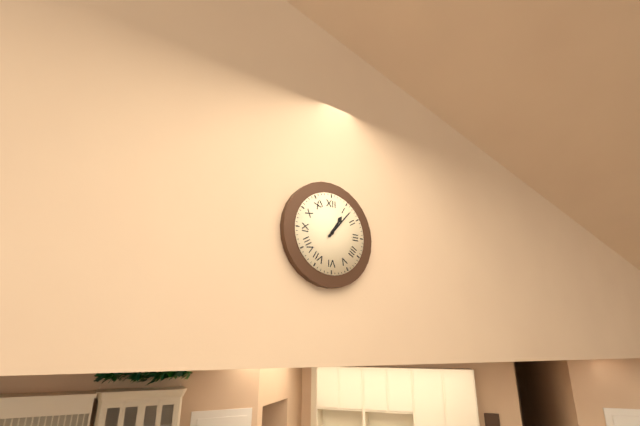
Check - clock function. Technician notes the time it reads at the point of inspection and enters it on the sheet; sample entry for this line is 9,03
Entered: 1,07
